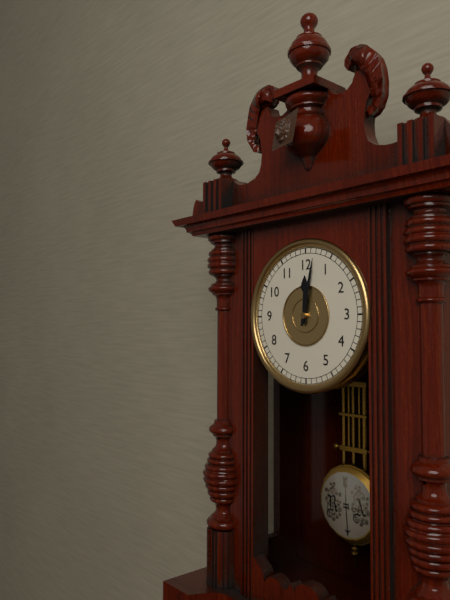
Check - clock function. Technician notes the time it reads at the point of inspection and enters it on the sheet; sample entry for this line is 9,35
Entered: 12,02
